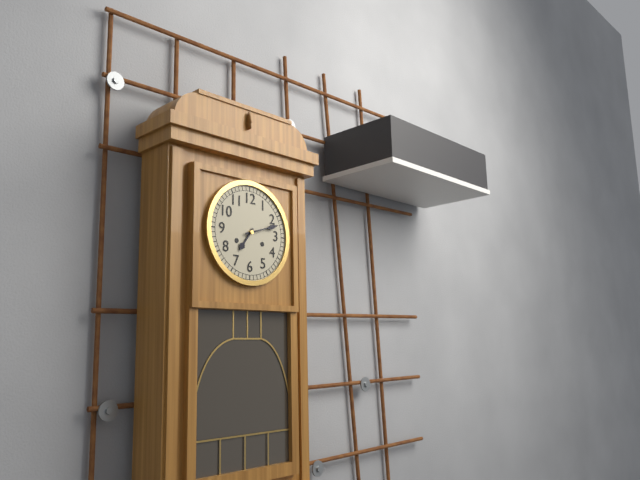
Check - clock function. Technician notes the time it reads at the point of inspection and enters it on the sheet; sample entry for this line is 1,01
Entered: 7,12
